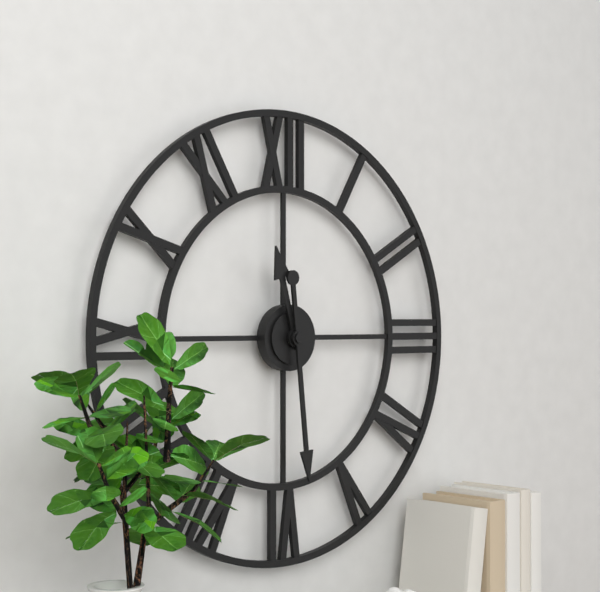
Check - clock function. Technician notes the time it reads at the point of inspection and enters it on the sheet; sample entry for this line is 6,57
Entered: 11,29
